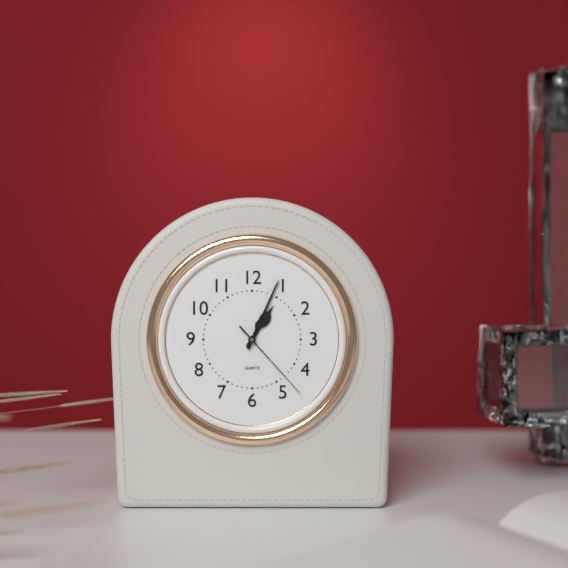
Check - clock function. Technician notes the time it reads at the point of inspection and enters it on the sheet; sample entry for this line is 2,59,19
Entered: 1,04,23
